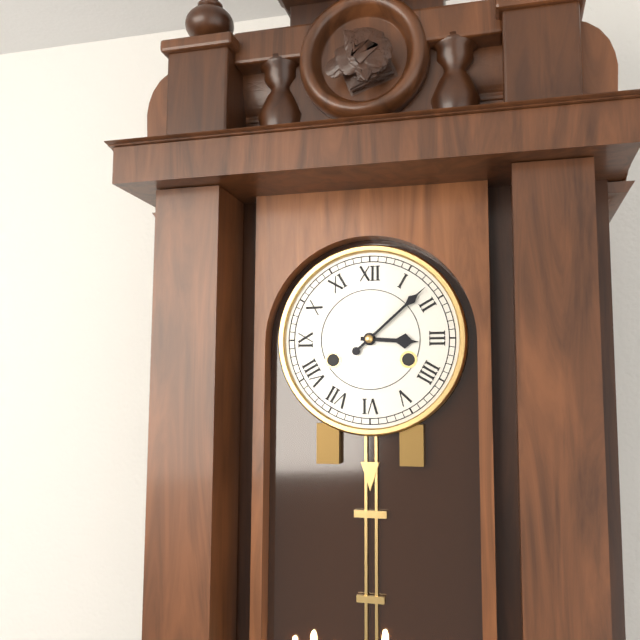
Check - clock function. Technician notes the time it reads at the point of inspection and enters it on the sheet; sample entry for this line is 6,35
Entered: 3,08
